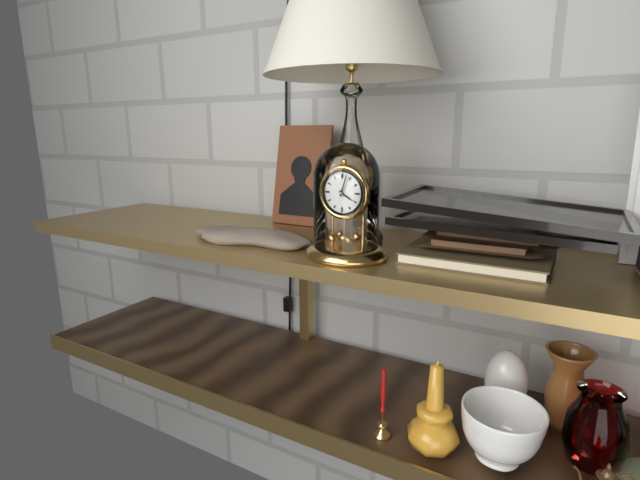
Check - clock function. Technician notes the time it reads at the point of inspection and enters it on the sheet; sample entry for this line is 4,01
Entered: 4,03
